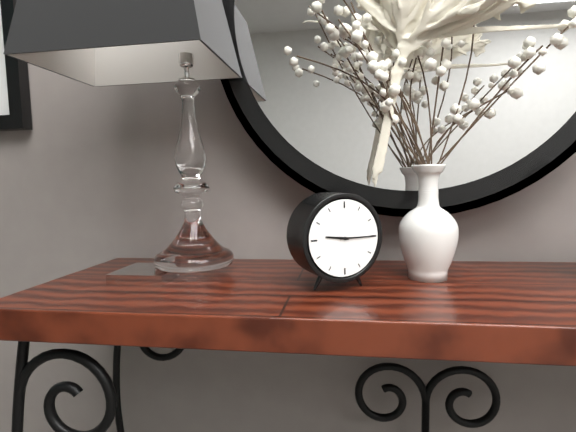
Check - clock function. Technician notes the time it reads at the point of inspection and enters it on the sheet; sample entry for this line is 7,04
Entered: 9,15
